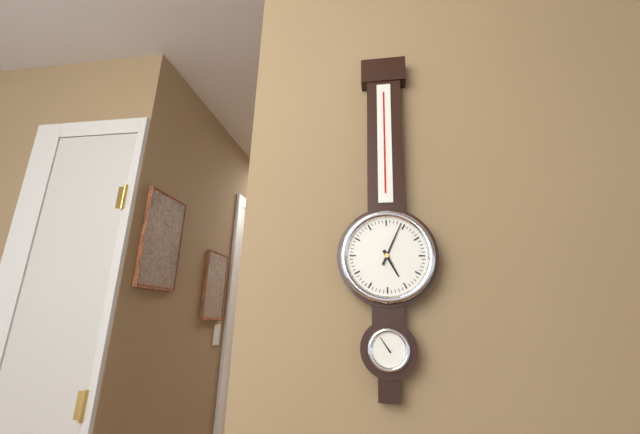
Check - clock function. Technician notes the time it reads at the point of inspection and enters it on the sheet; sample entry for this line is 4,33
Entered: 5,04
